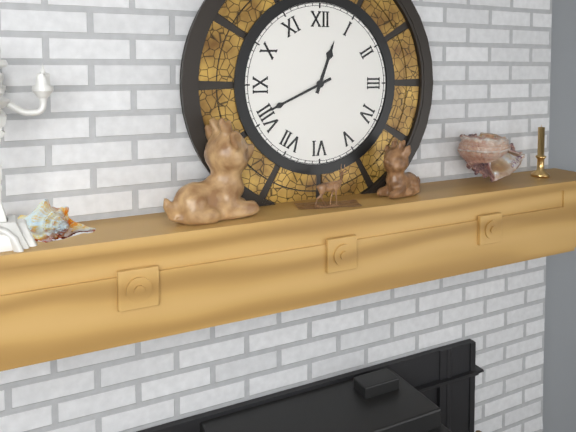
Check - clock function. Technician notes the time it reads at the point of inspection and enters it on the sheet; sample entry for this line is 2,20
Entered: 12,41
